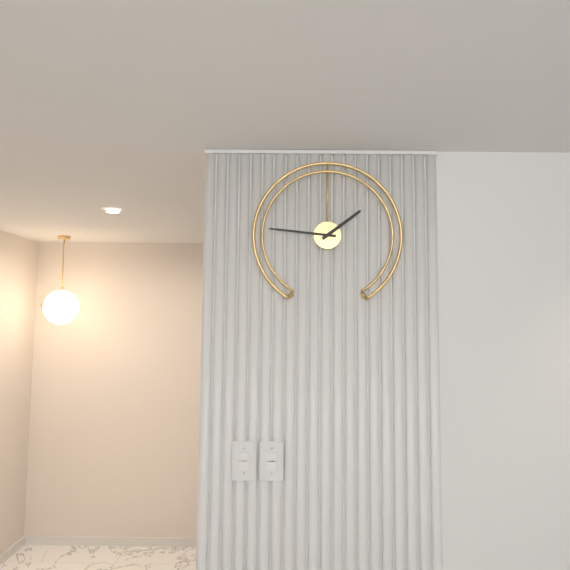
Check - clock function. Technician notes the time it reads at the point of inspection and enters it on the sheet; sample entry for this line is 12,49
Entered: 1,46
